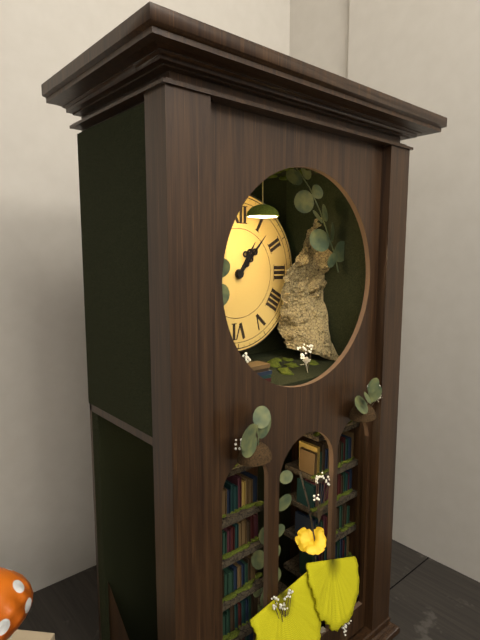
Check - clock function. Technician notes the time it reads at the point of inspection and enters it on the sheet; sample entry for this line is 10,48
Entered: 1,07
